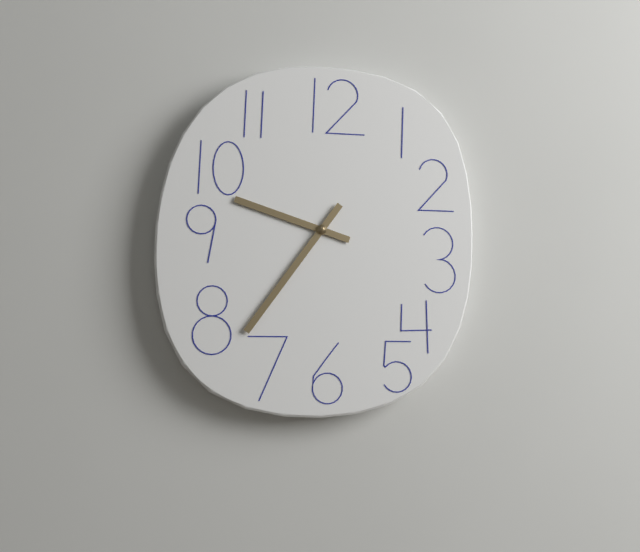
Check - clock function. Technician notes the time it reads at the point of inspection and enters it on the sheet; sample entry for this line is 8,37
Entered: 9,36
